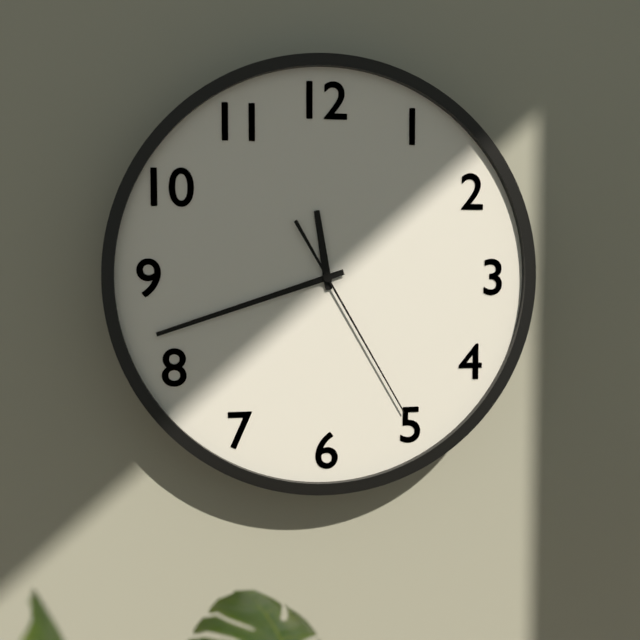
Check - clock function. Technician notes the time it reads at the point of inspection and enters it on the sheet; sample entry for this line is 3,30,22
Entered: 11,42,25
